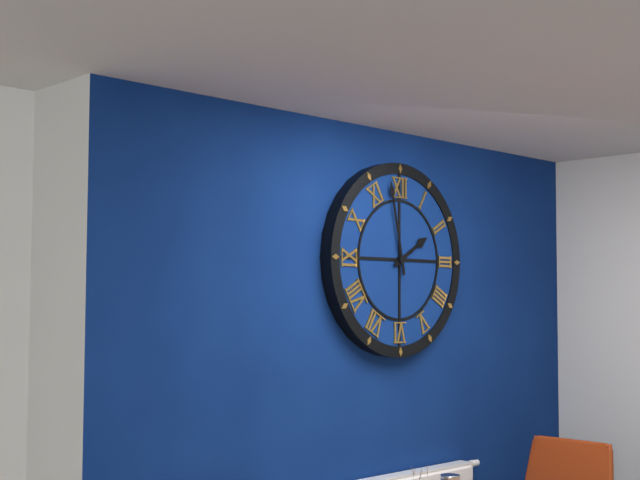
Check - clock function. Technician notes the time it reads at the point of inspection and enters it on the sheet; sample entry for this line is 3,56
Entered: 1,58
